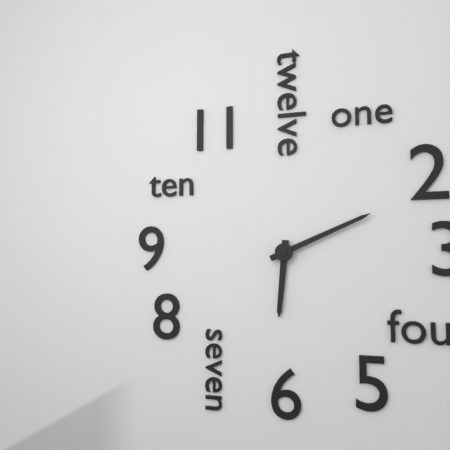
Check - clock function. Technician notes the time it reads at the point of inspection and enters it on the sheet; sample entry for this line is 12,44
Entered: 6,11
